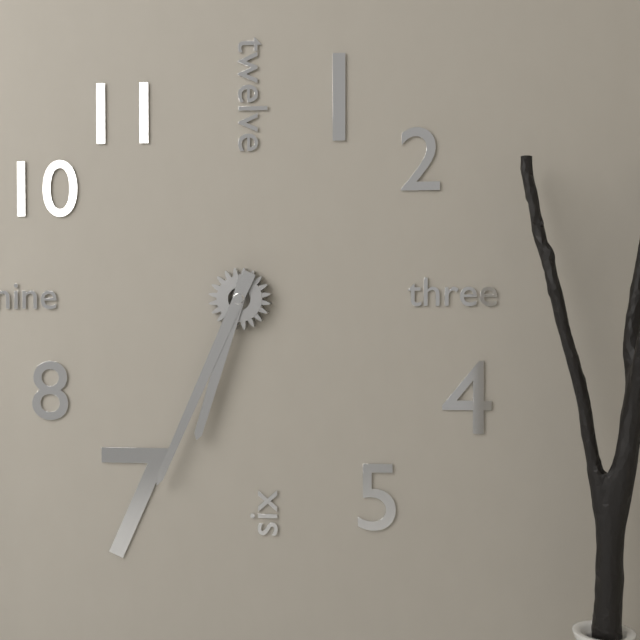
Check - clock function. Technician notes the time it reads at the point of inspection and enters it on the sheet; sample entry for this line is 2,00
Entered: 6,34
